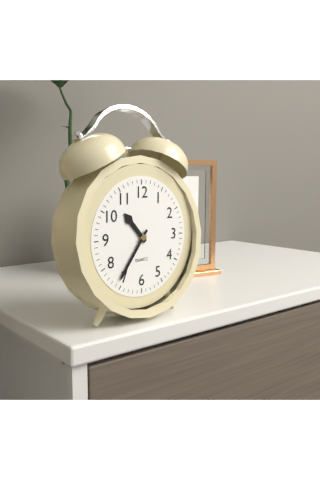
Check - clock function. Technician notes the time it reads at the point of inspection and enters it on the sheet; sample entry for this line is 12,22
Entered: 10,36
